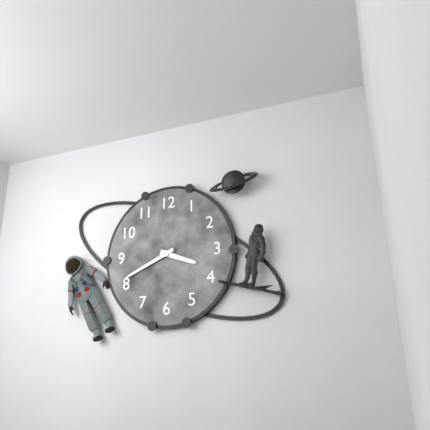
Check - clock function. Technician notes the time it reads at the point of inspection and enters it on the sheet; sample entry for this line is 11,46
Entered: 3,41
